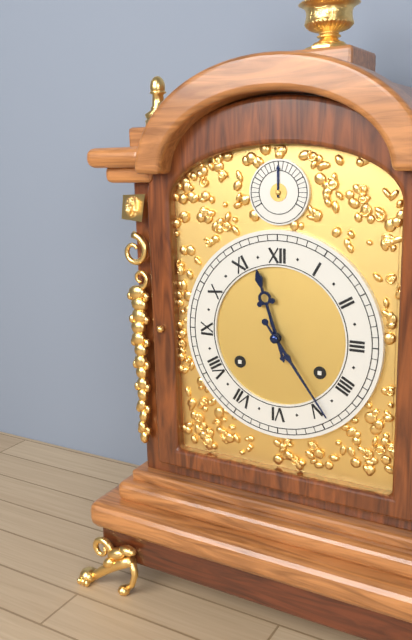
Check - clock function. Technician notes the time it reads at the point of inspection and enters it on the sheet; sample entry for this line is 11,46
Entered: 11,24
